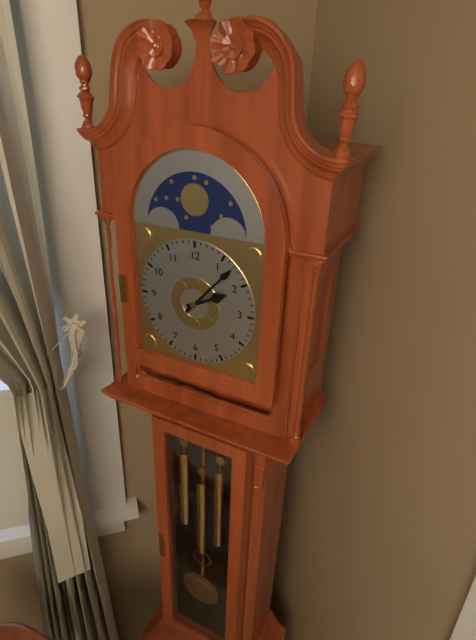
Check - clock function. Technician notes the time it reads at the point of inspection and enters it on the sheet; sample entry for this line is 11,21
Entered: 2,07
